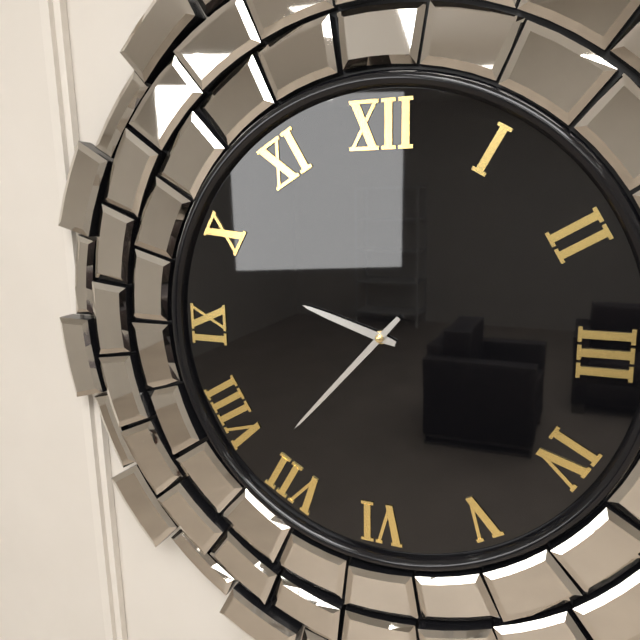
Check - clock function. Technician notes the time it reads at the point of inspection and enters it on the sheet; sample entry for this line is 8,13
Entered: 9,37
